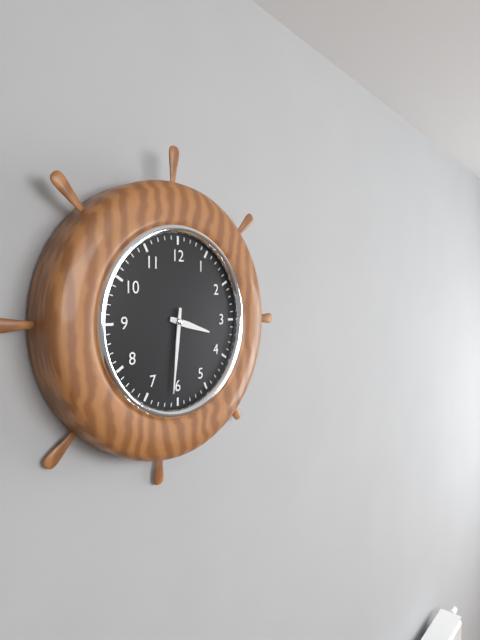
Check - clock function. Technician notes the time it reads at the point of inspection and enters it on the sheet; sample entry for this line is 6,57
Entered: 3,31
